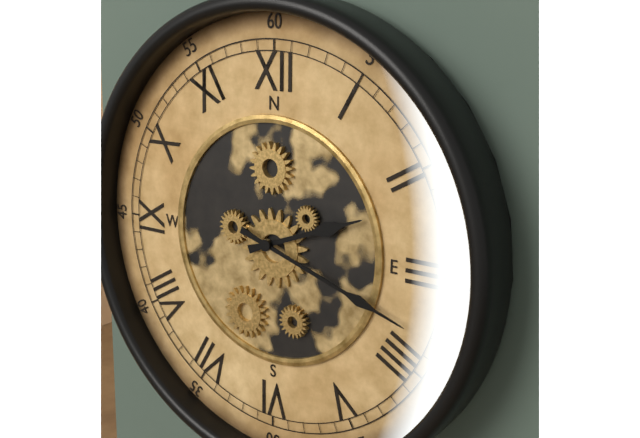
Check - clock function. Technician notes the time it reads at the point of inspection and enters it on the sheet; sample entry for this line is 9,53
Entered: 2,18
